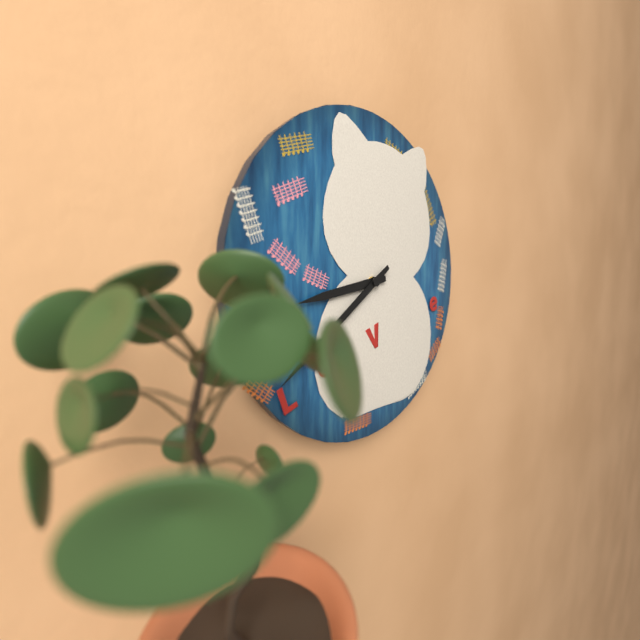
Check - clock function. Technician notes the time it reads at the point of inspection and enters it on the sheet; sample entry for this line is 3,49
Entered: 8,39
